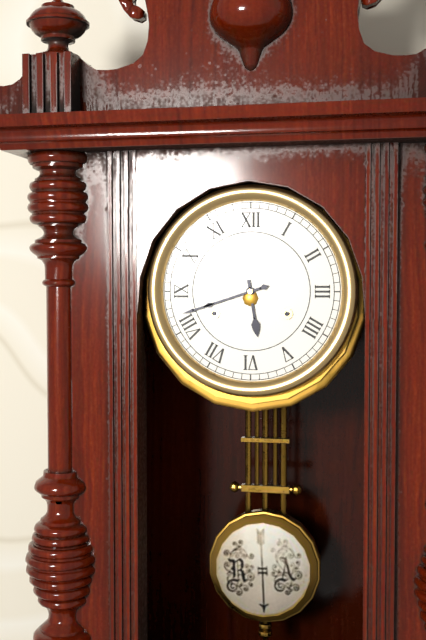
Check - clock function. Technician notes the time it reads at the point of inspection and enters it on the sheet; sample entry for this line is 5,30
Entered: 5,42
